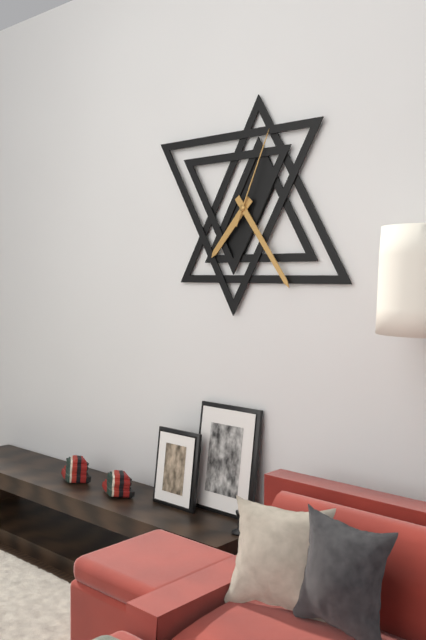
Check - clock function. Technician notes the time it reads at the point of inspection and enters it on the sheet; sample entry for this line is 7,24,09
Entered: 7,24,04
